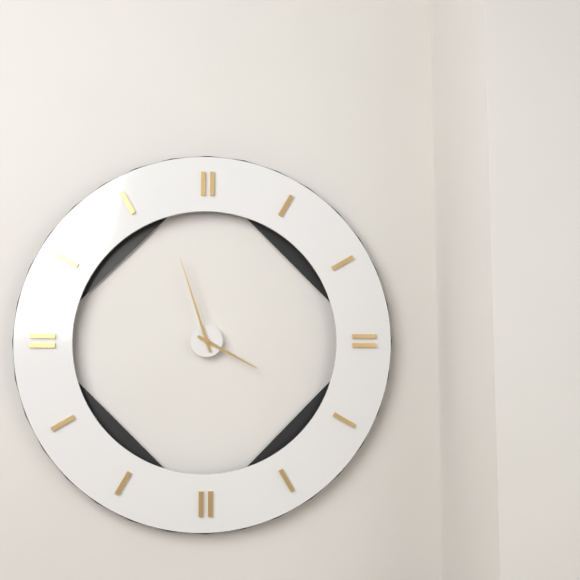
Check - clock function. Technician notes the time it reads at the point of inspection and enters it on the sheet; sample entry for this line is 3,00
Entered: 3,57
